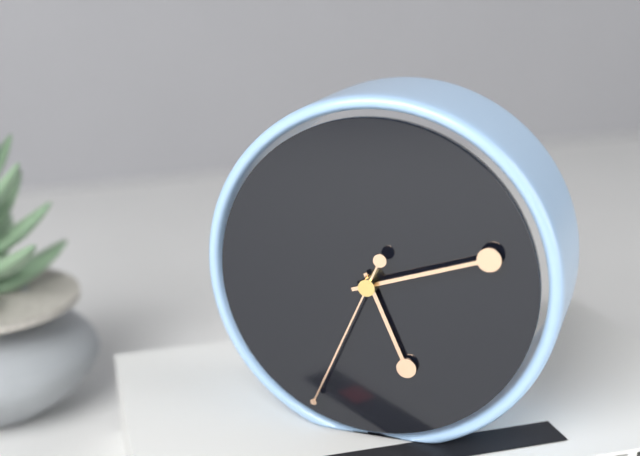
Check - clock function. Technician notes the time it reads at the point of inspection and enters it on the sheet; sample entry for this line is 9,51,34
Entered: 5,12,34
